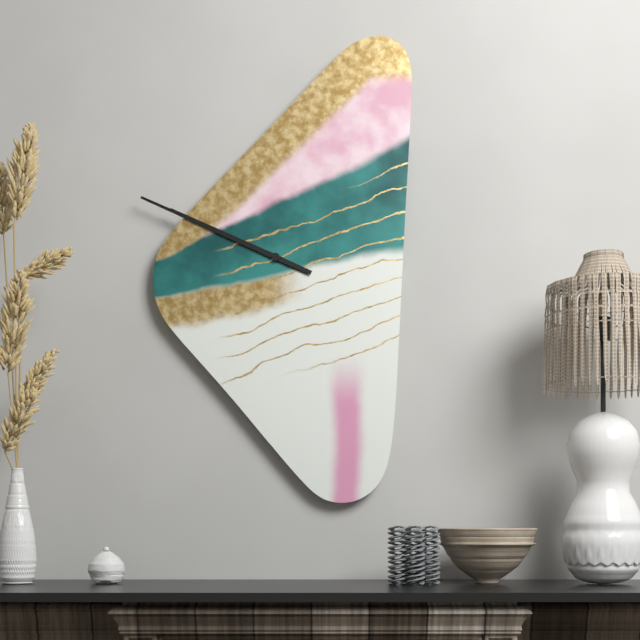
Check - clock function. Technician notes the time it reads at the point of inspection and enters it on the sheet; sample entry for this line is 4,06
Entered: 9,49
